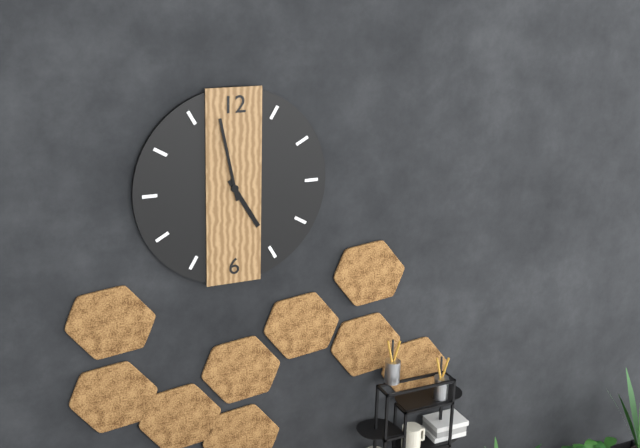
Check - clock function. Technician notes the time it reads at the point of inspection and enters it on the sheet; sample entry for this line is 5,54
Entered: 4,58
